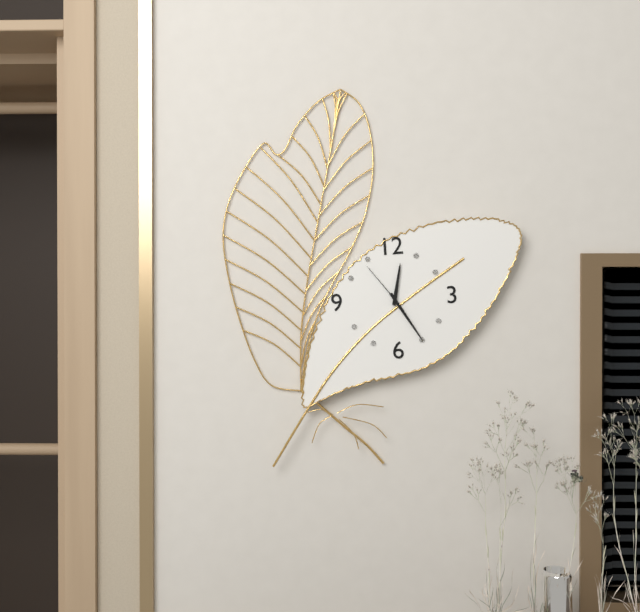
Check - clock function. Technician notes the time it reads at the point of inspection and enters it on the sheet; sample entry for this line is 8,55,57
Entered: 12,25,54
